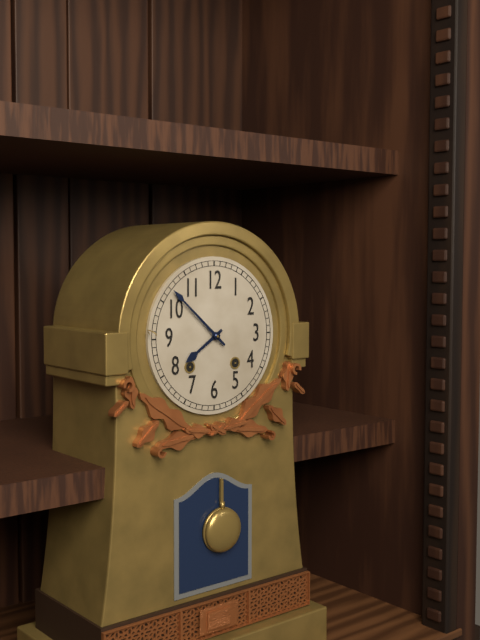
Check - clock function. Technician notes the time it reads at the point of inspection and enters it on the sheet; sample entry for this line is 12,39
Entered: 7,52
